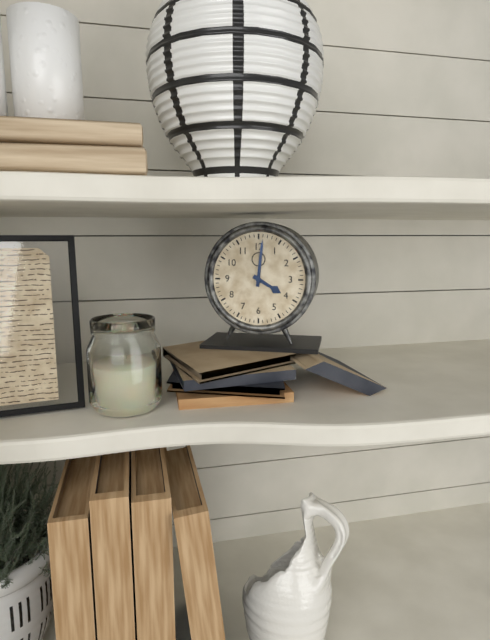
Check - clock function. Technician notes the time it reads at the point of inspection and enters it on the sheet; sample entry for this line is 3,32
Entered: 4,01
